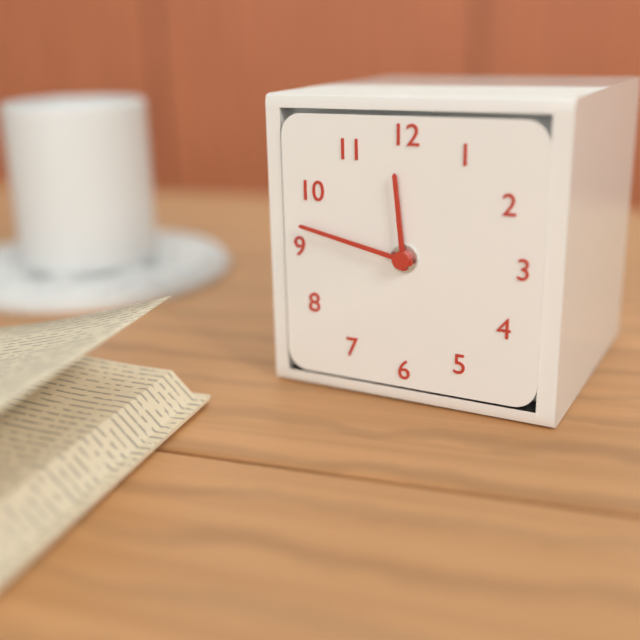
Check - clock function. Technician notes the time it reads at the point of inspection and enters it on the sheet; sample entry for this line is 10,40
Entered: 11,47
